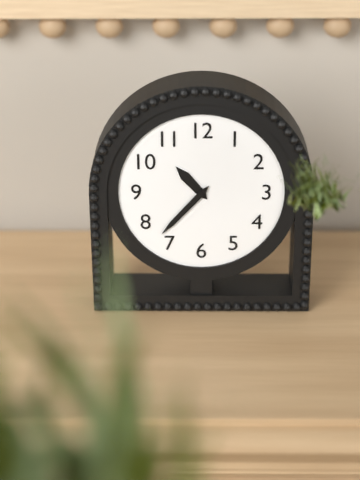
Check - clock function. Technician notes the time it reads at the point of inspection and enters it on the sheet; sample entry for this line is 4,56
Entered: 10,37
